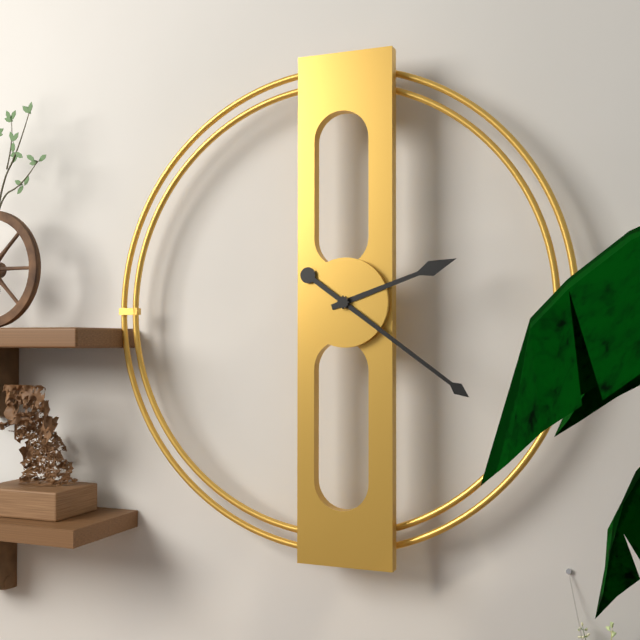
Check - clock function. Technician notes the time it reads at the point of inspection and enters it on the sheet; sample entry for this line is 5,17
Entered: 2,21
